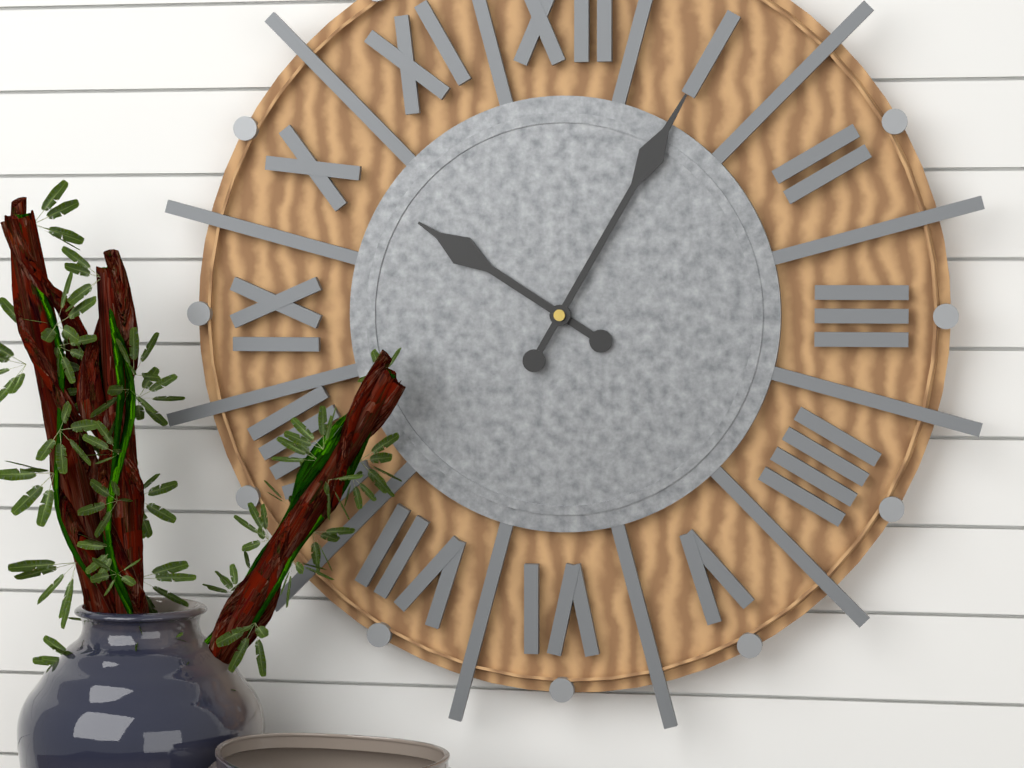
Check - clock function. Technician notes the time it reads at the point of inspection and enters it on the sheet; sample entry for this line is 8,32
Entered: 10,05
